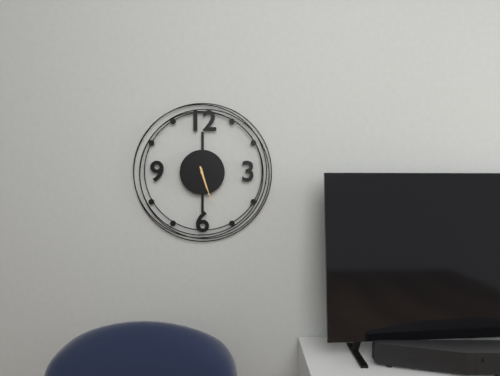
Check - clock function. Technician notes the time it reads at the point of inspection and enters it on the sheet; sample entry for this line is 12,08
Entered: 5,27
